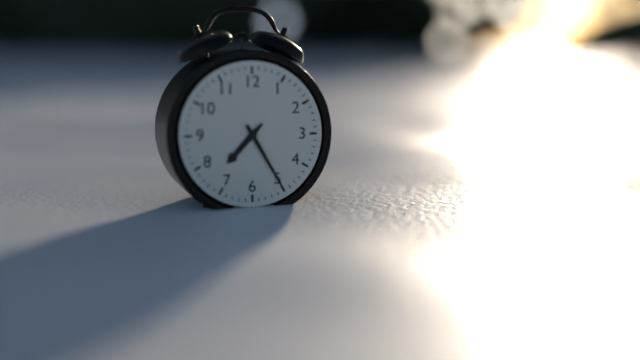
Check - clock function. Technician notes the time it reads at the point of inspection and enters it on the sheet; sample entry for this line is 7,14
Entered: 7,25
